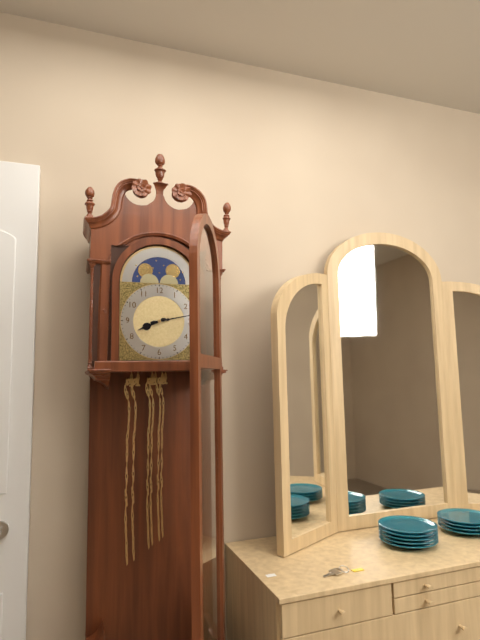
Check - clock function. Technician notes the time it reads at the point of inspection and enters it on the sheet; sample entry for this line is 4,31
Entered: 8,13
